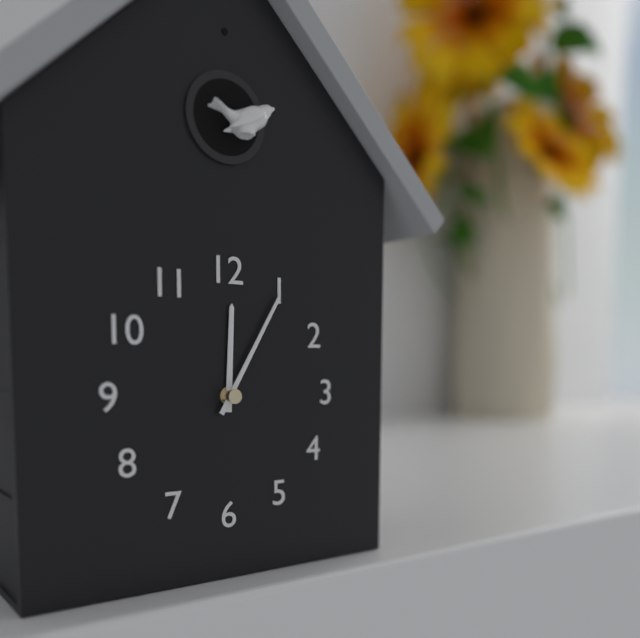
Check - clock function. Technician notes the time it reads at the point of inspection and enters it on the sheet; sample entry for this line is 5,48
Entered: 12,05
